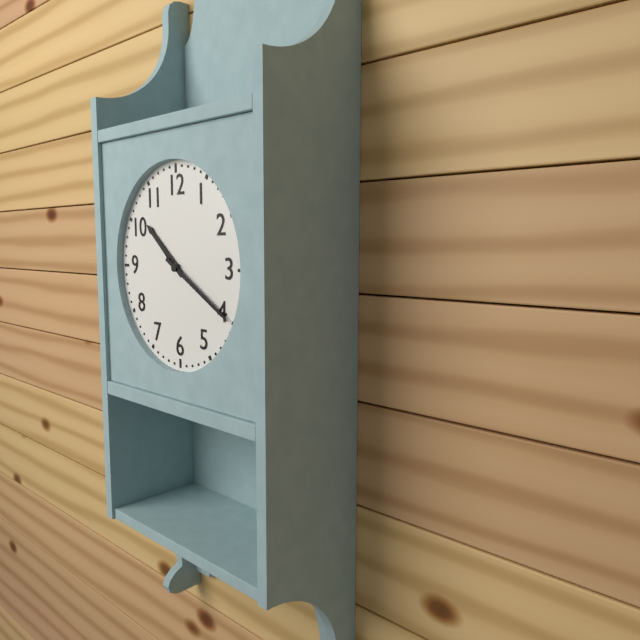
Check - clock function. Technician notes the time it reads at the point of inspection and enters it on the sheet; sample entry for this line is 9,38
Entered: 10,20
